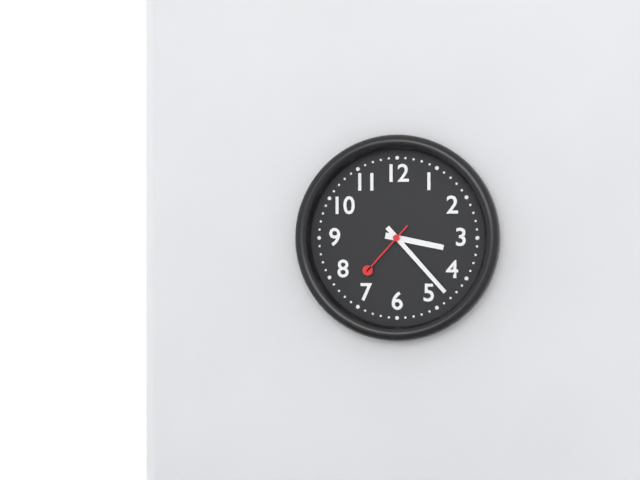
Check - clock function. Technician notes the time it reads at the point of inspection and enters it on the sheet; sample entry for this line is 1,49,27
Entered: 3,23,37
